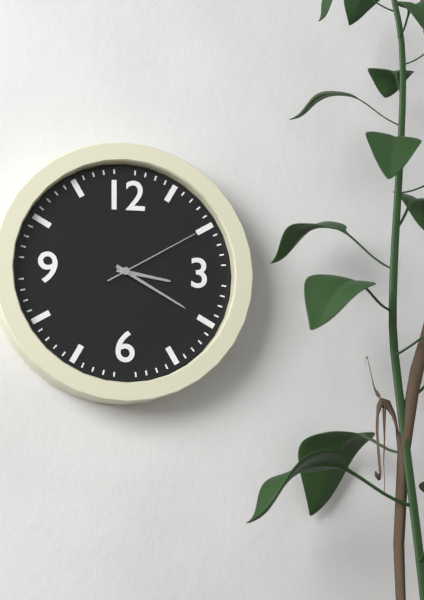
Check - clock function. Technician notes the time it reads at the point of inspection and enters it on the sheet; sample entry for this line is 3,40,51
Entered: 3,20,10
